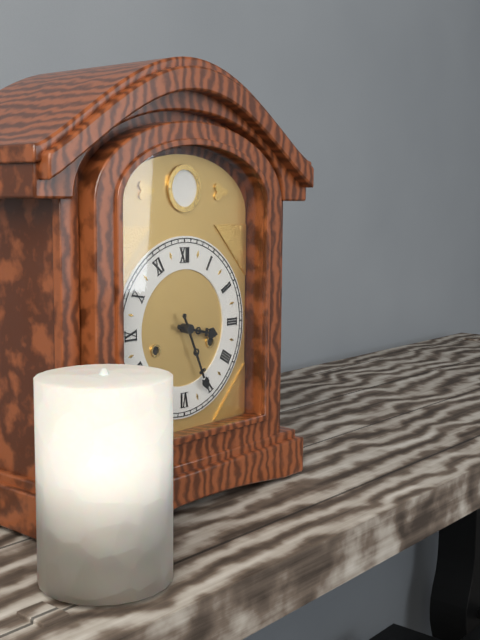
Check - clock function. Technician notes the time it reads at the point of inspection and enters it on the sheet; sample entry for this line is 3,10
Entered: 3,26
